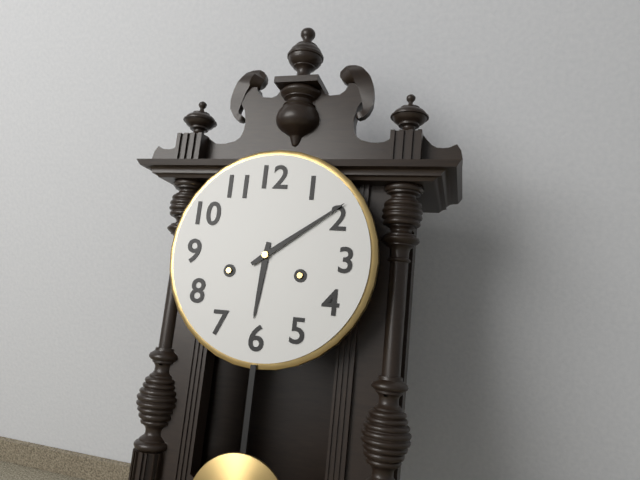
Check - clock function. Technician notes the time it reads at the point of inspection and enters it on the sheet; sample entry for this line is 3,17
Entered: 6,09
